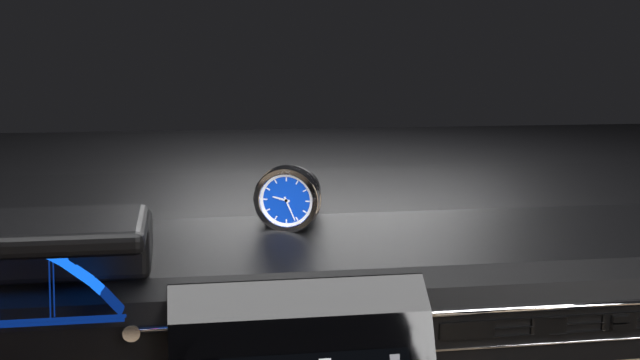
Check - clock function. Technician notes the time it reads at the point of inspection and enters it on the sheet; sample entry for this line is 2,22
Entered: 9,26
